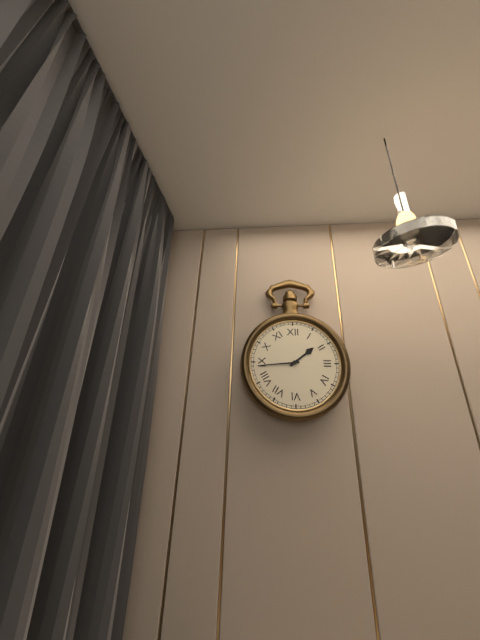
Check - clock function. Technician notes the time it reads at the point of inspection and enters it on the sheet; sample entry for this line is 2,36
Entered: 1,44
